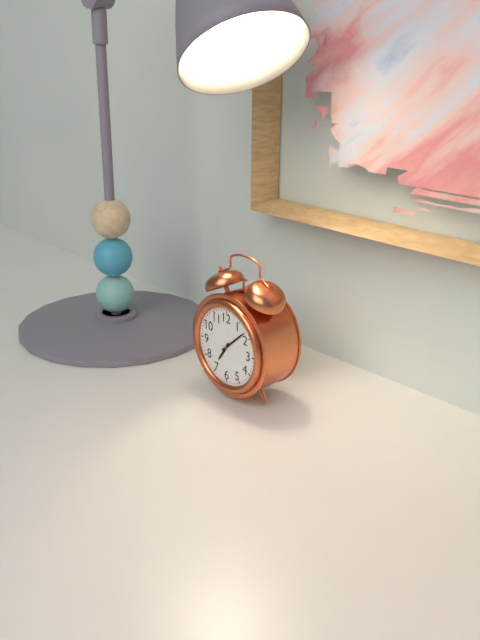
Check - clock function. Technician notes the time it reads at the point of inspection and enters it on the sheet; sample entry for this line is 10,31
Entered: 7,08
